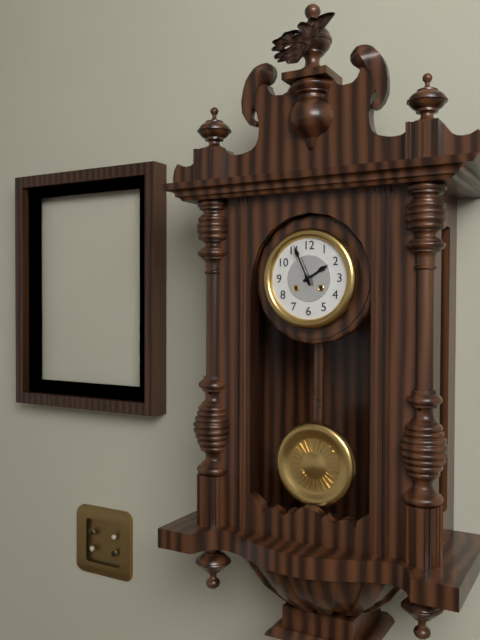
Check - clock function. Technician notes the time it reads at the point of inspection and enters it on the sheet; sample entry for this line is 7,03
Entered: 1,56
